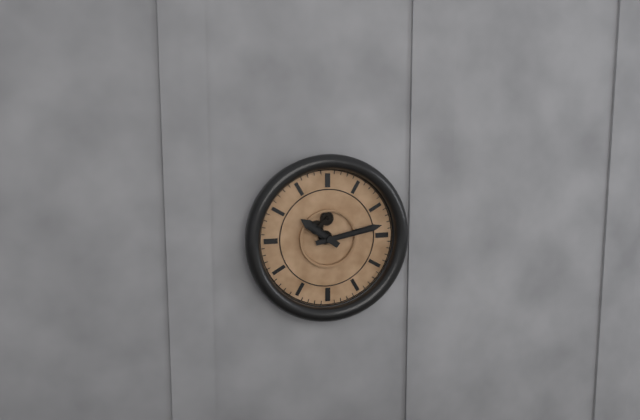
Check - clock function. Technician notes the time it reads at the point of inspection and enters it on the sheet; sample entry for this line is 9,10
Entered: 10,13
